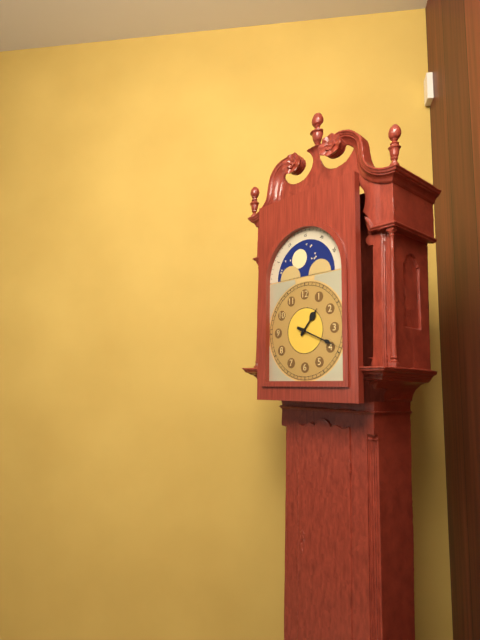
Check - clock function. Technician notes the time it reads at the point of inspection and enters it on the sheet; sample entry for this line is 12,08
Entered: 1,19
